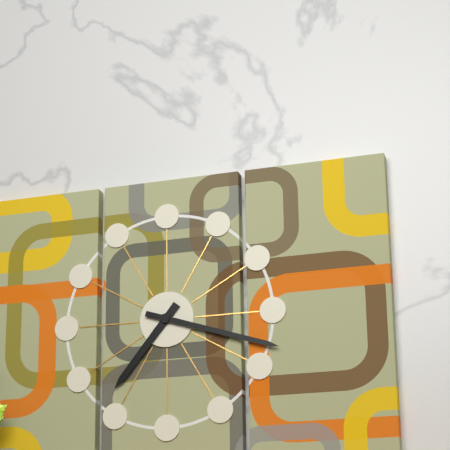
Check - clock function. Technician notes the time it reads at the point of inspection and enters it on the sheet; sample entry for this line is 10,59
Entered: 7,18
